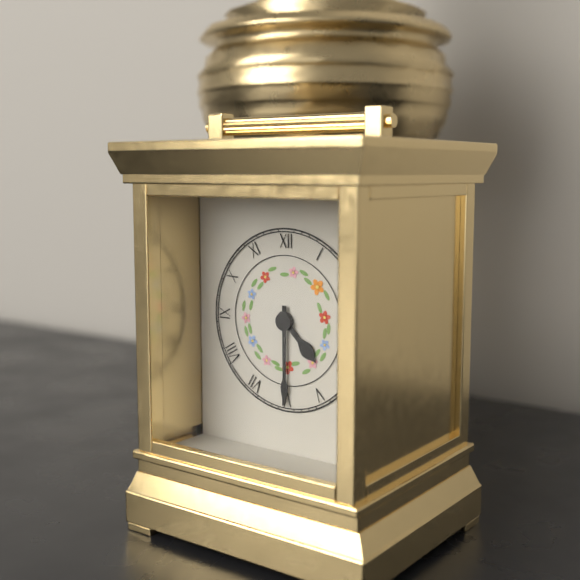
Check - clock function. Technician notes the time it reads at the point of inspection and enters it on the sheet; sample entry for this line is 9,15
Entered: 4,30
